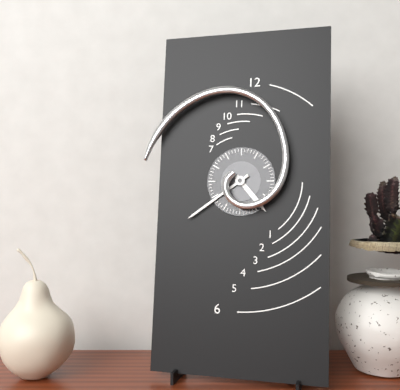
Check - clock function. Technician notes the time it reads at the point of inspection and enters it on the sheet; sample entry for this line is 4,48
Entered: 4,39
